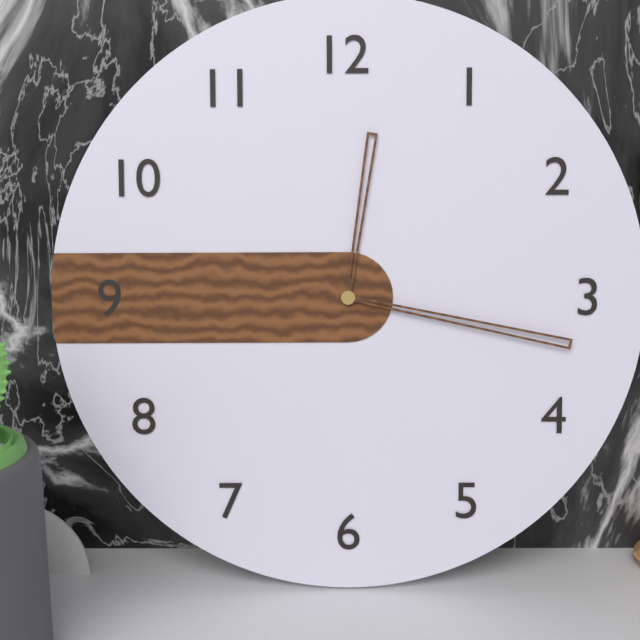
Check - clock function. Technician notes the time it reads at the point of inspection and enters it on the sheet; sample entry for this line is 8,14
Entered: 12,17
